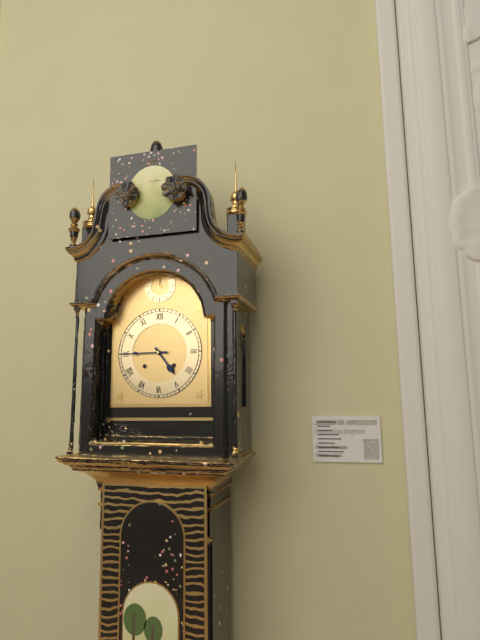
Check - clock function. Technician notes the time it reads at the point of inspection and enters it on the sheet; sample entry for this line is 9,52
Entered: 4,45
